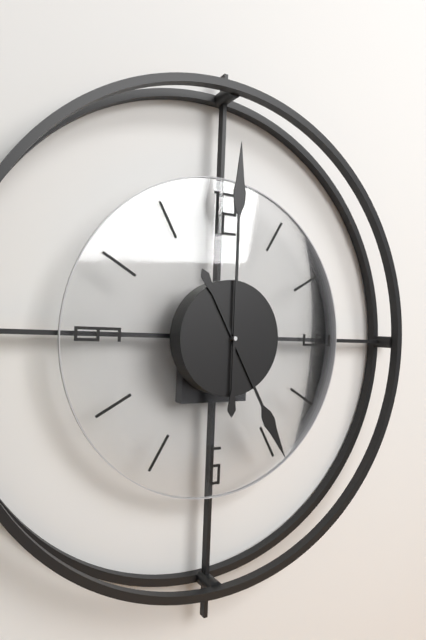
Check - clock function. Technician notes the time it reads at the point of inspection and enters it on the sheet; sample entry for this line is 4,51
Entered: 5,00
